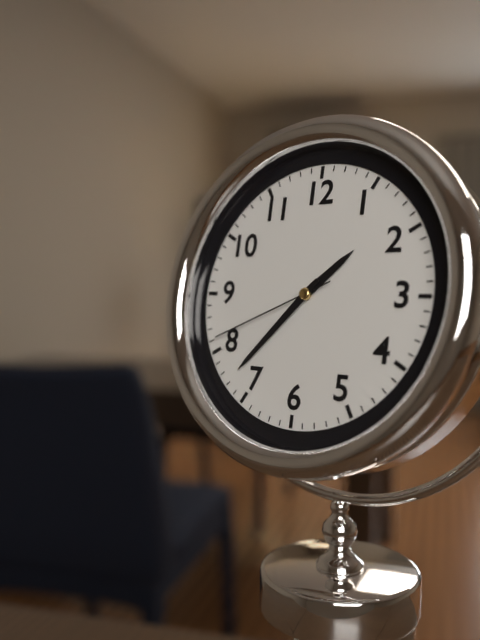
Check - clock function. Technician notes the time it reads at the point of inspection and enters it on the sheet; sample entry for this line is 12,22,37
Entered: 1,37,41
